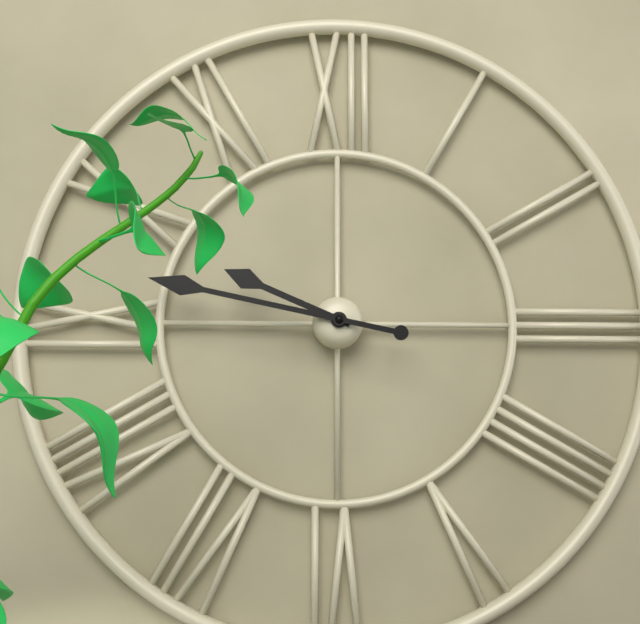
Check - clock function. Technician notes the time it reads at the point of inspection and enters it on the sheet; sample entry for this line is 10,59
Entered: 9,47
